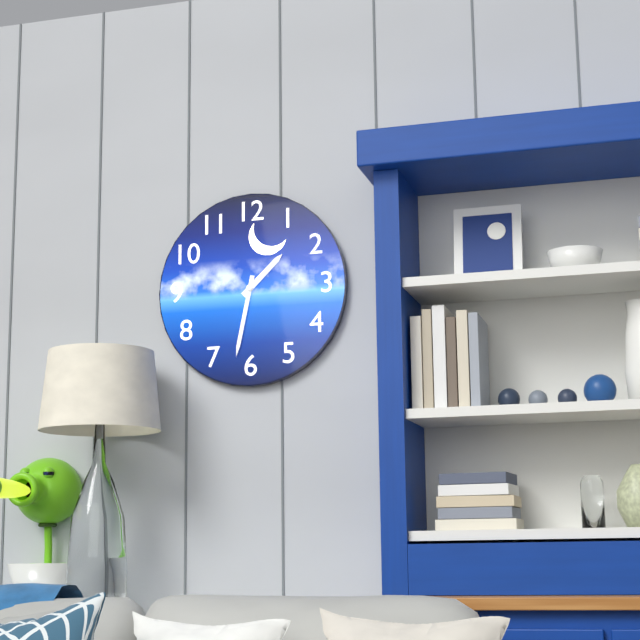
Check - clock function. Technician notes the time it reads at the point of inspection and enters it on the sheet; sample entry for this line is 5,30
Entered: 1,32
